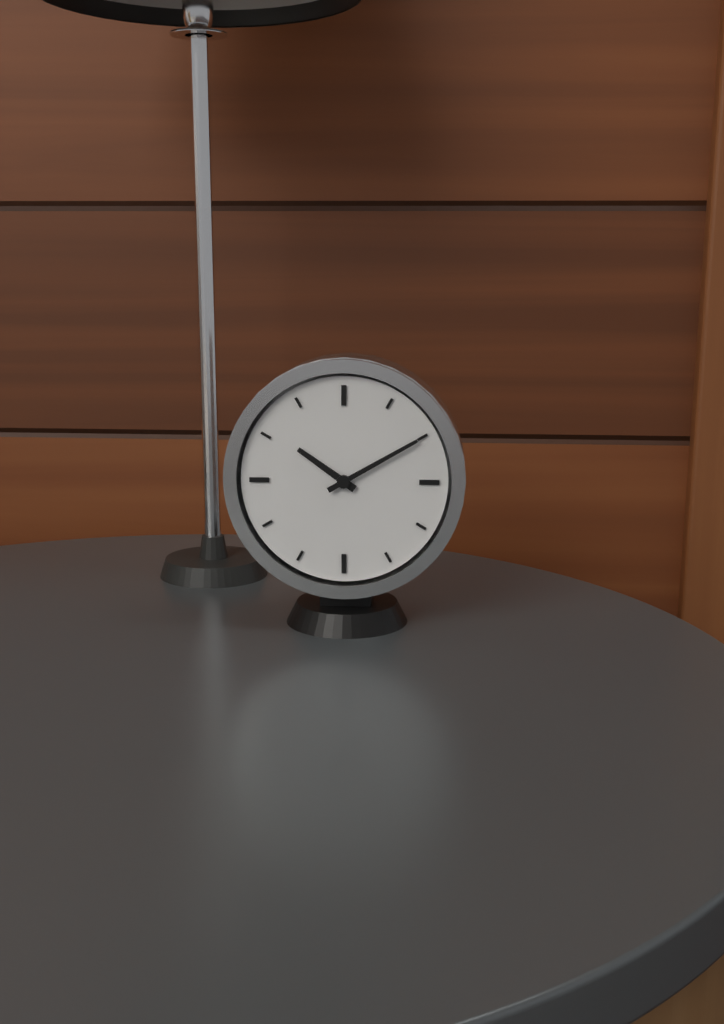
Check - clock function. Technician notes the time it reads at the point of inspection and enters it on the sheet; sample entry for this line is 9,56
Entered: 10,10
